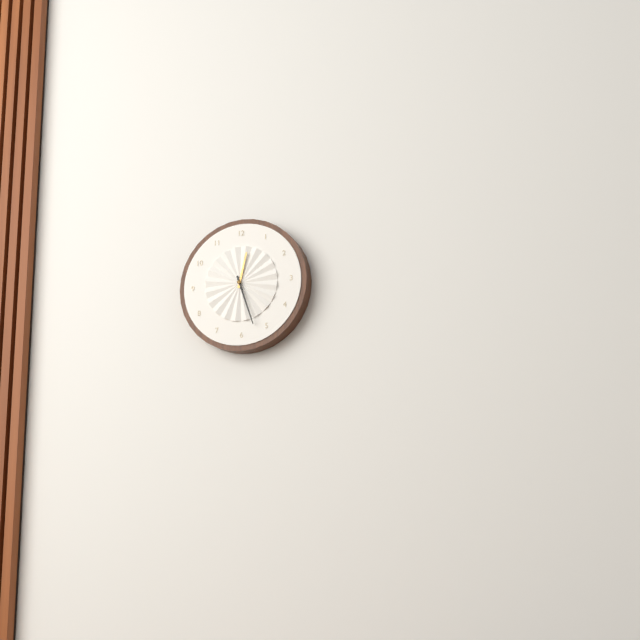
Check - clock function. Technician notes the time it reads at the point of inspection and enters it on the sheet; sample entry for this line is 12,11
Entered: 12,27
